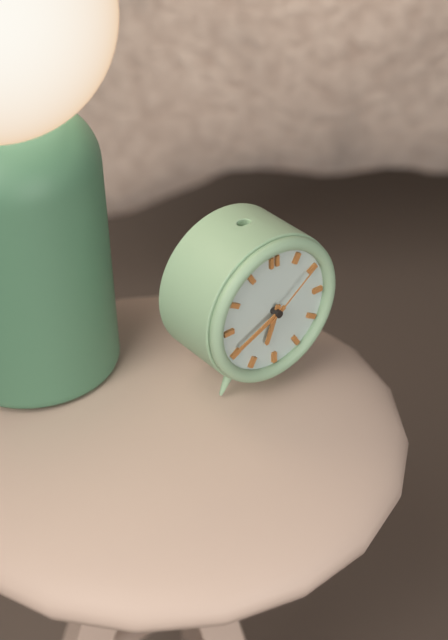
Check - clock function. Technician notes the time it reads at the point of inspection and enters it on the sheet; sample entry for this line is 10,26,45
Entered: 6,41,09
